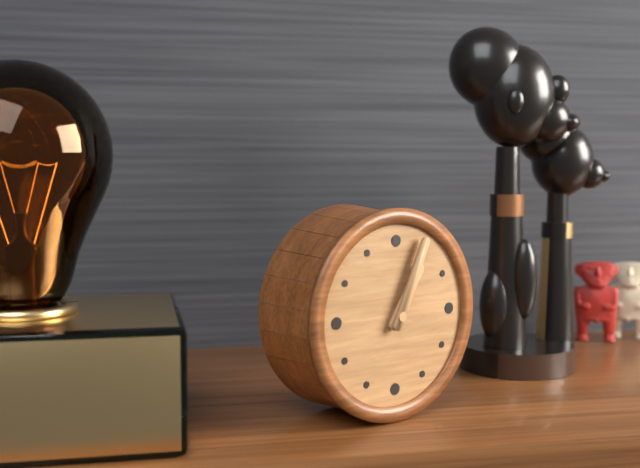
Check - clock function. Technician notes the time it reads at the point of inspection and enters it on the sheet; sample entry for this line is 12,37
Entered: 1,04
